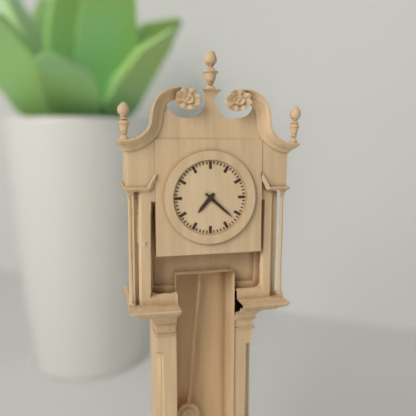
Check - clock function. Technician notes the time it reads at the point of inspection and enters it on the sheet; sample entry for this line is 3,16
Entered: 7,22
